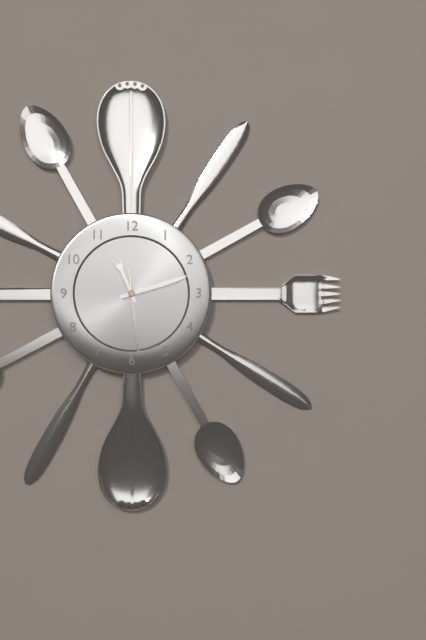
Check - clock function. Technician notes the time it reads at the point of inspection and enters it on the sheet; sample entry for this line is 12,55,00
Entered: 11,12,29
